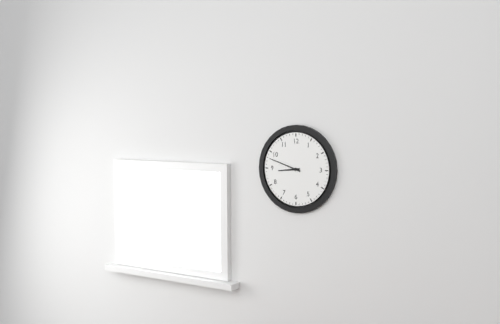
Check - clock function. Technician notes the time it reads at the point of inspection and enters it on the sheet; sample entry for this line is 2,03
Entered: 8,48
